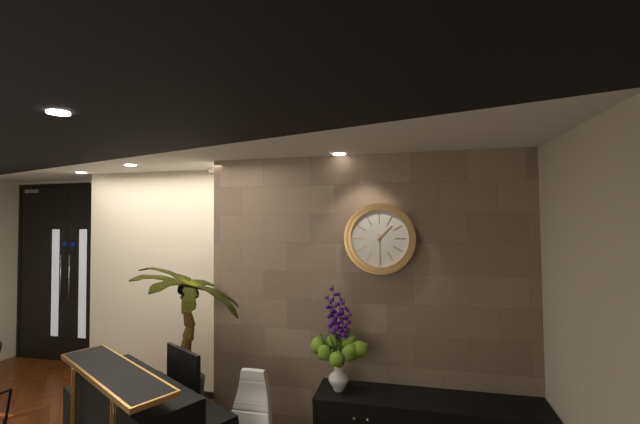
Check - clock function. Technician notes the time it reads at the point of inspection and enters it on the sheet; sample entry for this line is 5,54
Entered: 1,30
